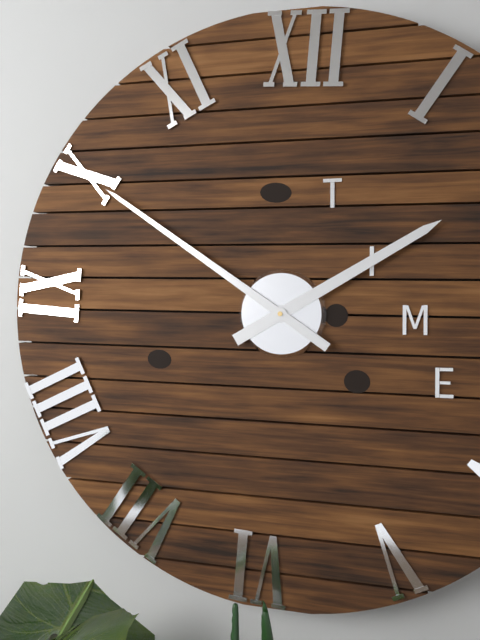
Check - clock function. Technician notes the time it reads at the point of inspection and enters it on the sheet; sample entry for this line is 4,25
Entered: 1,50
